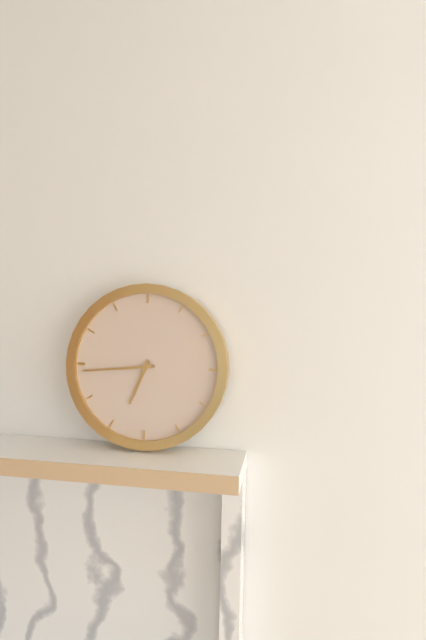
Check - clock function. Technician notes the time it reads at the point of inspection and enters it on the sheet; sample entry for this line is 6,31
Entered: 6,44
